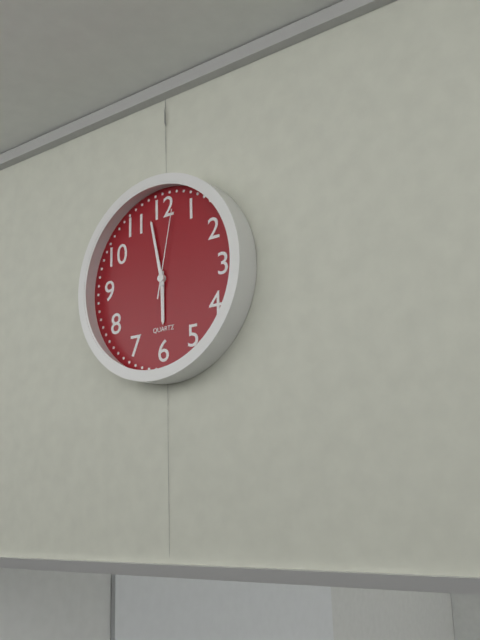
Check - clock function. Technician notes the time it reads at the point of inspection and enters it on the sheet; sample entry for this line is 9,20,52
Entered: 5,58,02
